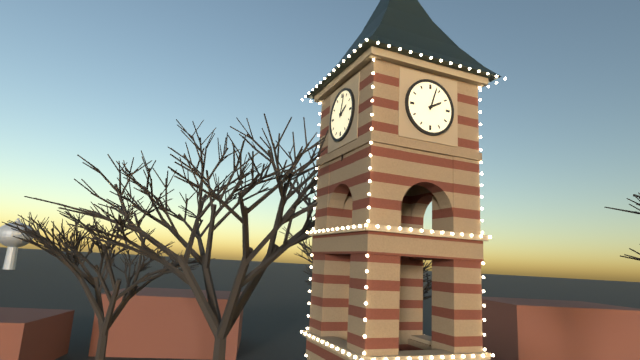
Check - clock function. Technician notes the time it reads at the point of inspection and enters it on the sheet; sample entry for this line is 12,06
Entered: 2,03
